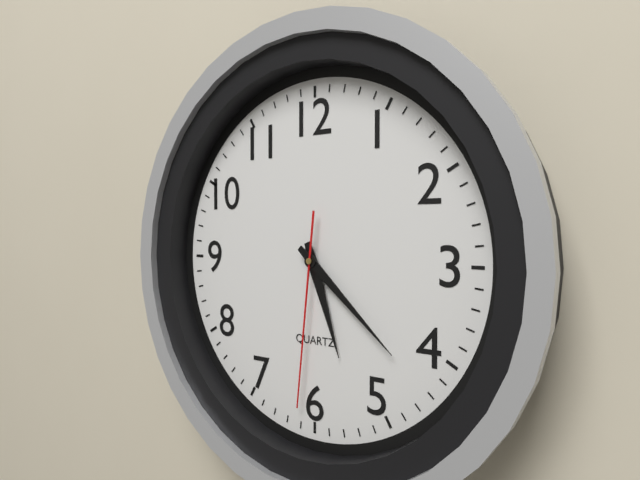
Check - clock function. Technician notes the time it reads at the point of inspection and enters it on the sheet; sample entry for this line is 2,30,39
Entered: 5,22,31
